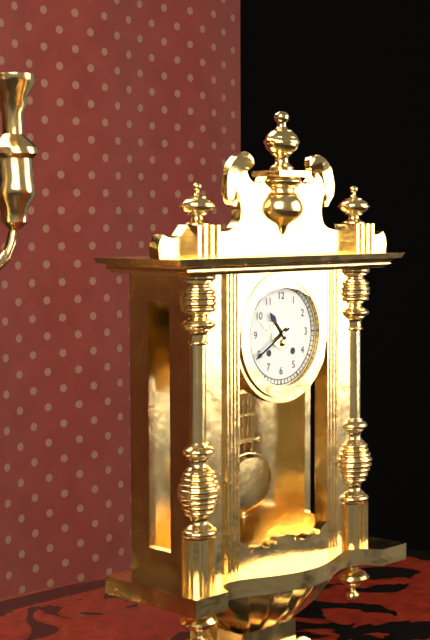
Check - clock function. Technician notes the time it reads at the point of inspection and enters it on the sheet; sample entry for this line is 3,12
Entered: 10,40
